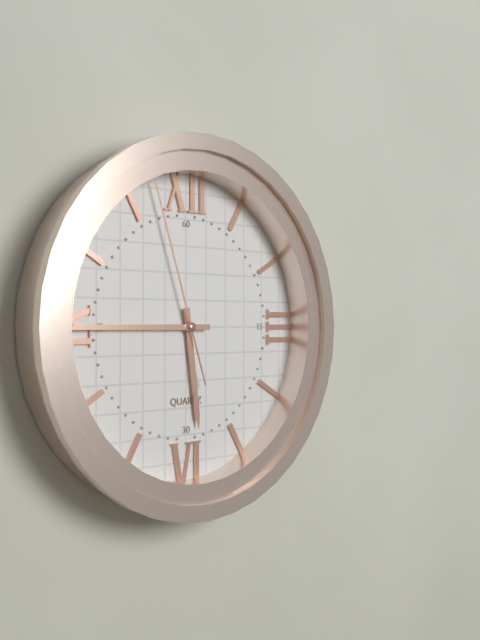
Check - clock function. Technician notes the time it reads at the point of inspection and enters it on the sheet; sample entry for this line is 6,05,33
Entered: 5,45,57
